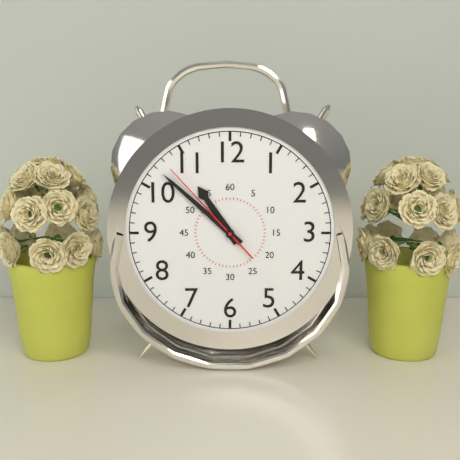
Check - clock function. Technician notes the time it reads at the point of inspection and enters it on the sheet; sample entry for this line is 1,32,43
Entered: 10,52,53
